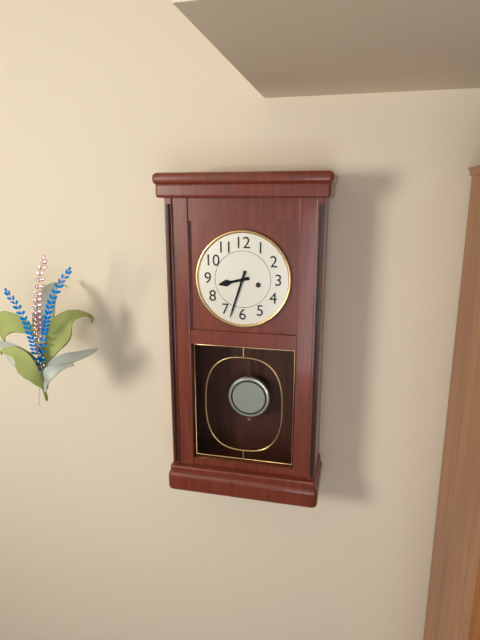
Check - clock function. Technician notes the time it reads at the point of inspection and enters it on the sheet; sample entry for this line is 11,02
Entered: 8,33
